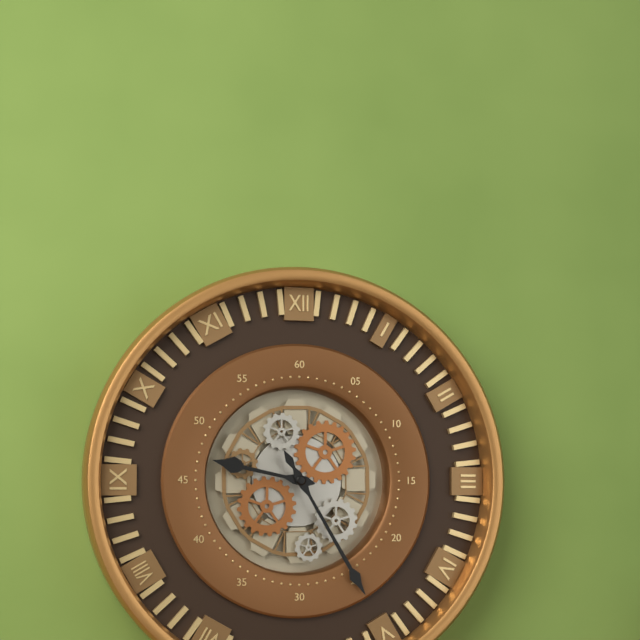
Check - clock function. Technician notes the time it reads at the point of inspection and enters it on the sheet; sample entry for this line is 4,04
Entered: 9,25
